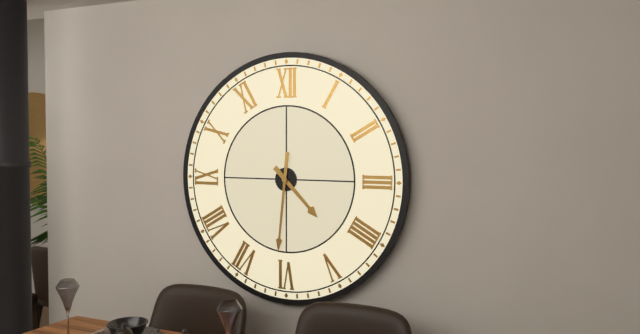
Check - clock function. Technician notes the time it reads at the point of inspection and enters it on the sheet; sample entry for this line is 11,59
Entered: 4,31
